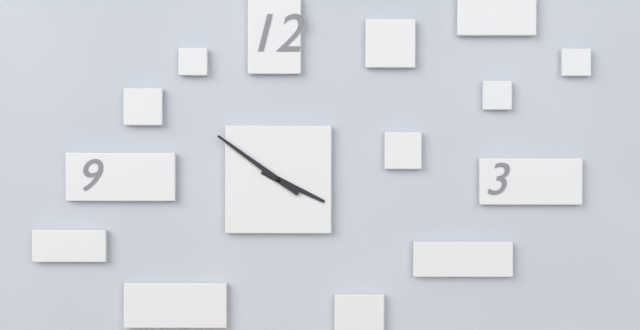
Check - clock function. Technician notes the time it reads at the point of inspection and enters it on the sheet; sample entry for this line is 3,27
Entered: 3,51
